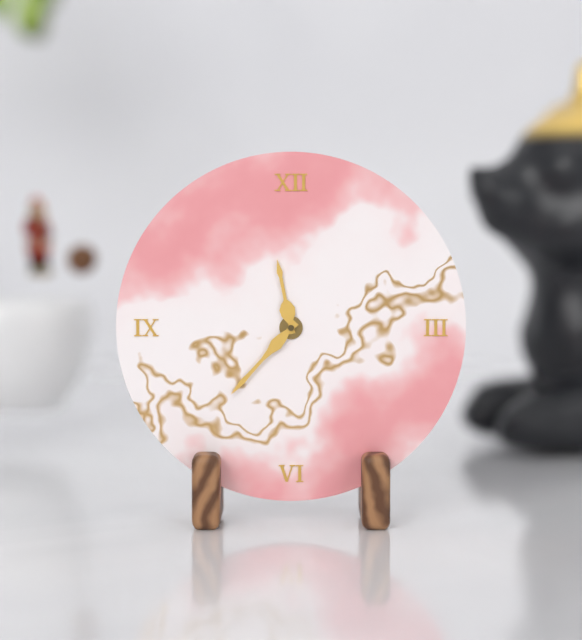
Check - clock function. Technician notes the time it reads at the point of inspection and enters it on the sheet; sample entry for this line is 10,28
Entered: 11,37
